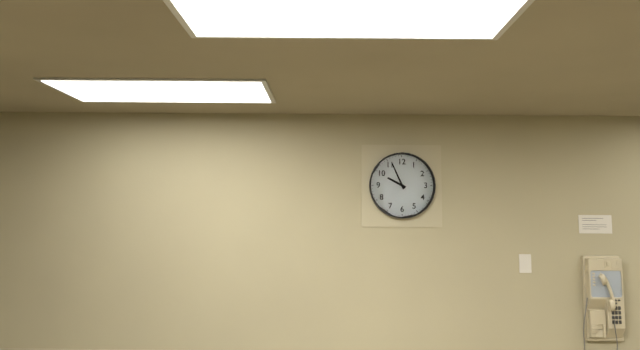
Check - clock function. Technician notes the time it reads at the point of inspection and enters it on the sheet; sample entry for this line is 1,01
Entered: 9,56
